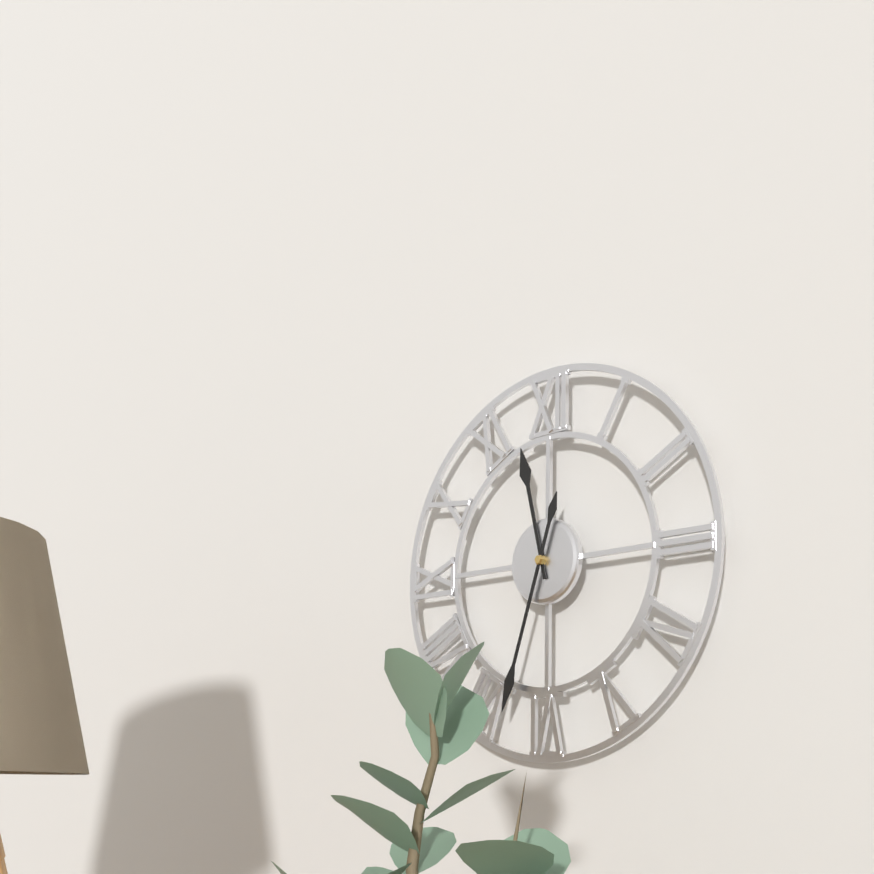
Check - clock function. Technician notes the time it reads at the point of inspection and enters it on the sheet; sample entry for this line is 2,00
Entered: 11,33
